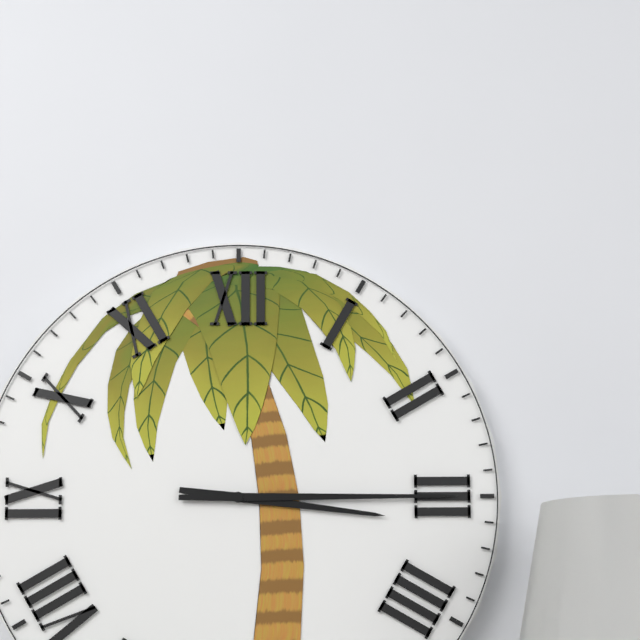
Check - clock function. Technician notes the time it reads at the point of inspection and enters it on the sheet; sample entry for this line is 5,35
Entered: 3,15
